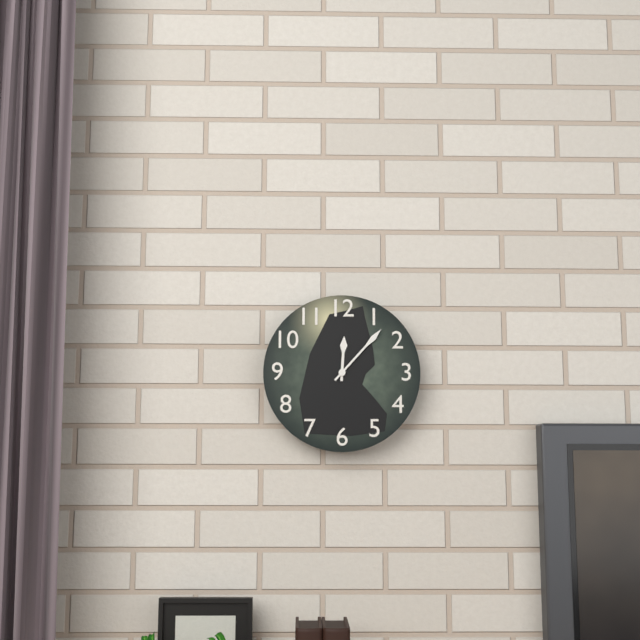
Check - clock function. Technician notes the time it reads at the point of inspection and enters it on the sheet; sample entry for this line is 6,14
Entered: 12,07
